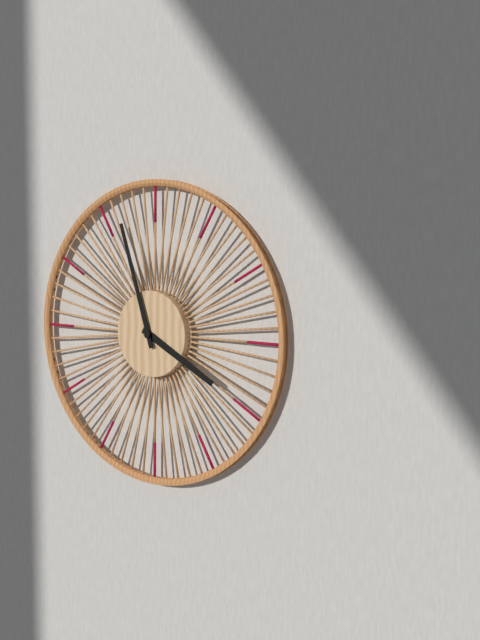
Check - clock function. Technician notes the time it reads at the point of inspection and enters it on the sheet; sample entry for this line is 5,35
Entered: 3,57
